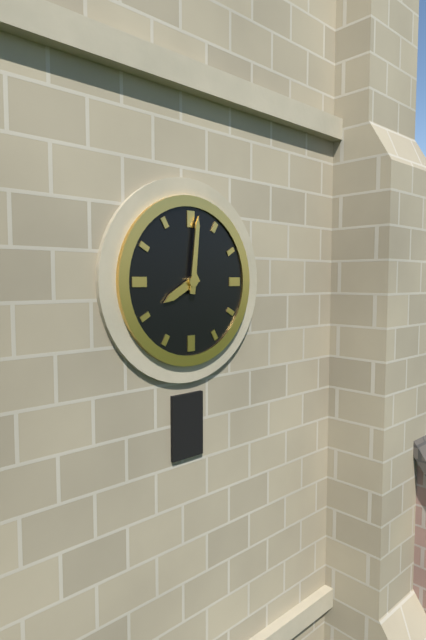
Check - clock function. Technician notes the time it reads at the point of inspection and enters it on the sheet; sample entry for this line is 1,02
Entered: 8,01
